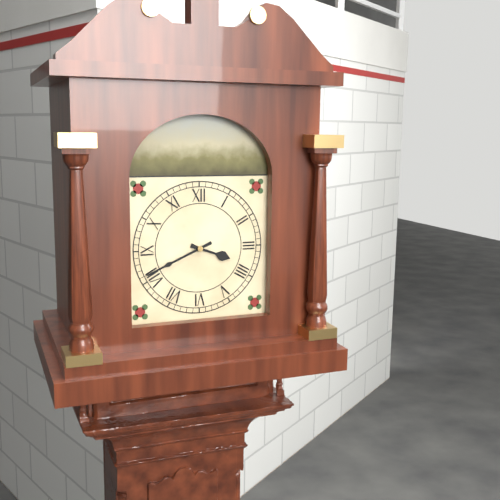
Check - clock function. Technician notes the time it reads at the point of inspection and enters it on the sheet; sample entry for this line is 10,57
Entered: 3,41
